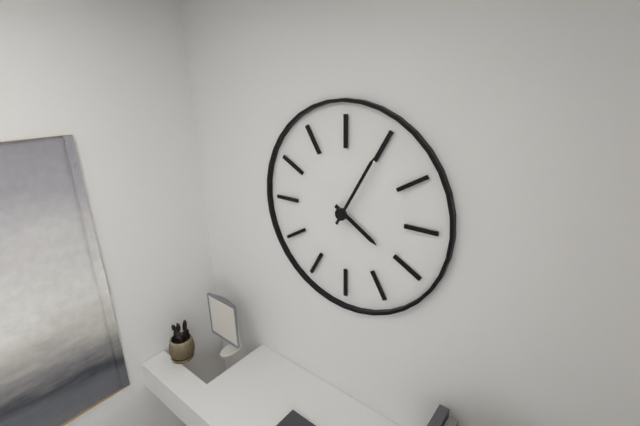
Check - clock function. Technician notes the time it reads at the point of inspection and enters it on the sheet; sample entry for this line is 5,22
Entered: 4,05
